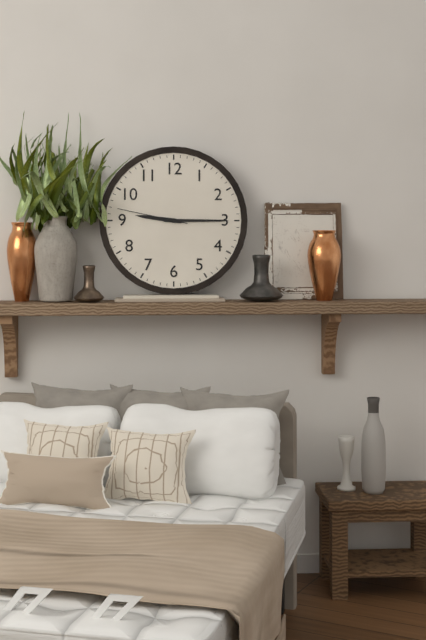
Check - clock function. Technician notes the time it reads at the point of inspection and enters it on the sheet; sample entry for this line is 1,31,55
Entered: 9,15,47
